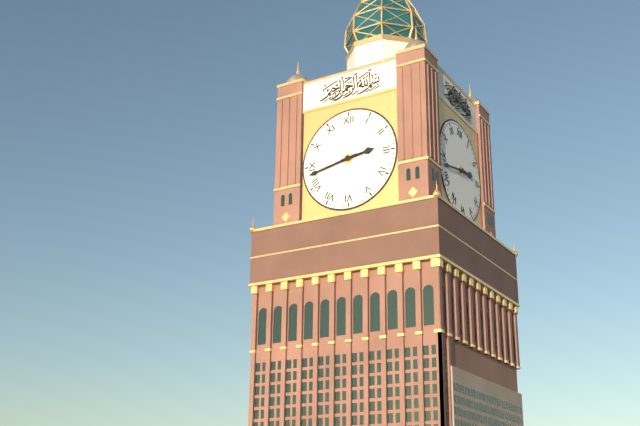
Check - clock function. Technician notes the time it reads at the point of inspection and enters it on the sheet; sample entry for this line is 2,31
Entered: 2,43
